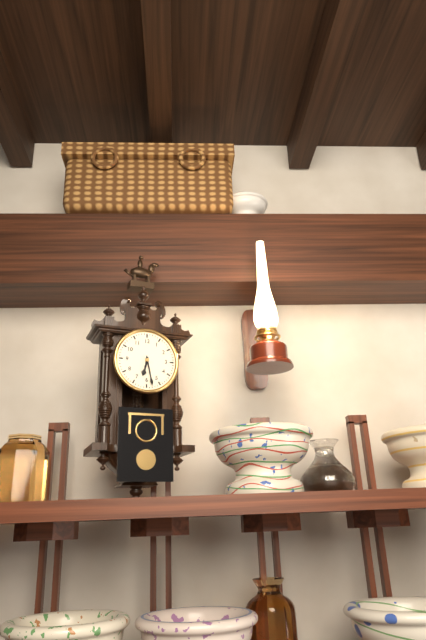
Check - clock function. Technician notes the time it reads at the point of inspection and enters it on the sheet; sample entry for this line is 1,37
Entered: 6,28
